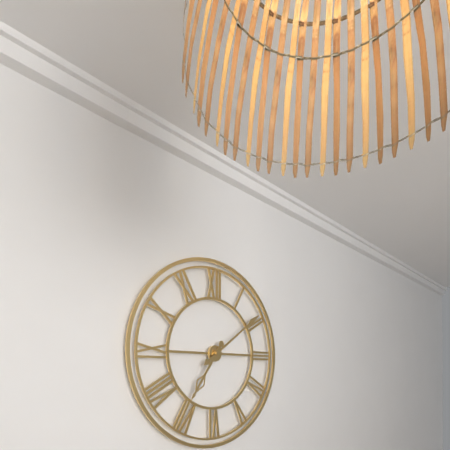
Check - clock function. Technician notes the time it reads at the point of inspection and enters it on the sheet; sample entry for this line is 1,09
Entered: 7,09
